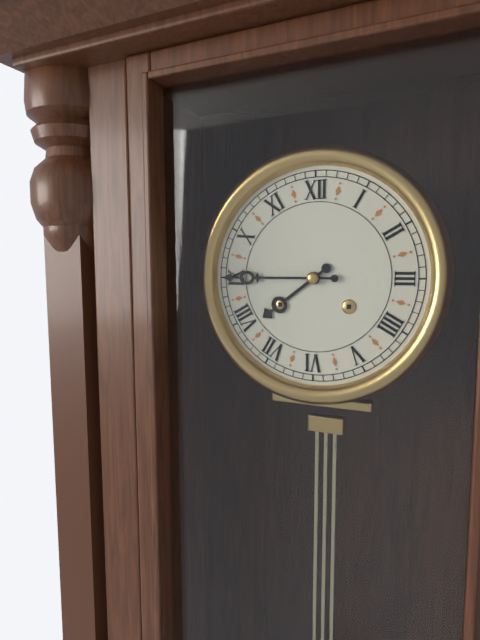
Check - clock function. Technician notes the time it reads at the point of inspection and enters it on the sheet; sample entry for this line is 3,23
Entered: 7,45
